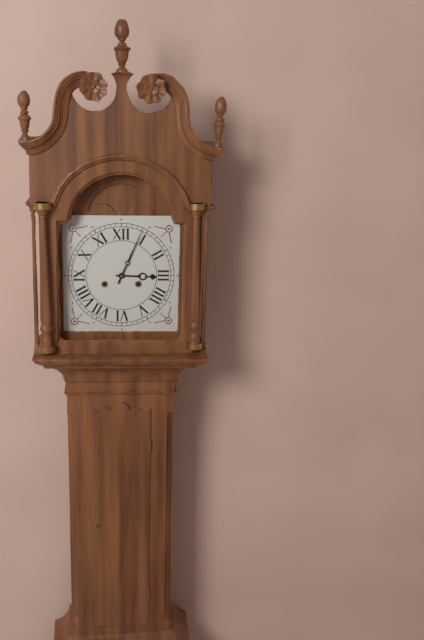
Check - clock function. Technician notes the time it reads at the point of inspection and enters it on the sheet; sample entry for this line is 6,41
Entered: 3,04
